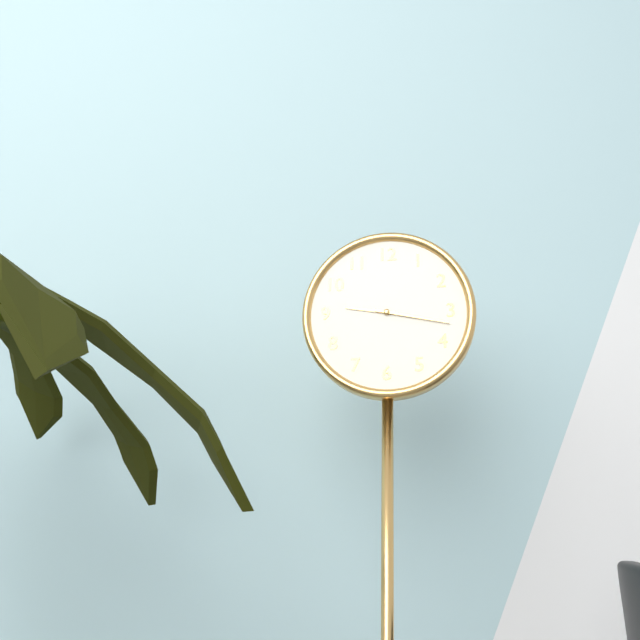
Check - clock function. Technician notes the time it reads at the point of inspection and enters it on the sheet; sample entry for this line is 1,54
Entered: 9,17
